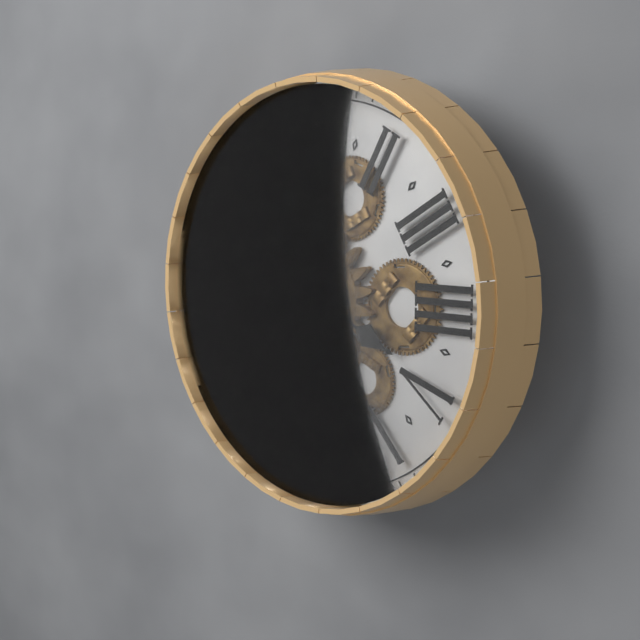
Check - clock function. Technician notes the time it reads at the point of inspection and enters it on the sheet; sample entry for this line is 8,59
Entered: 4,50
